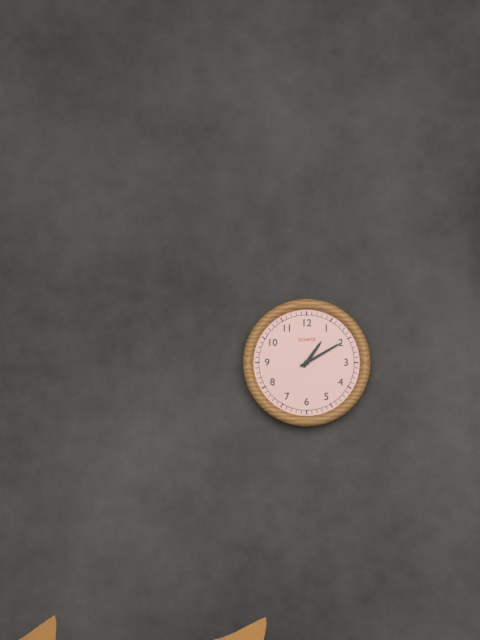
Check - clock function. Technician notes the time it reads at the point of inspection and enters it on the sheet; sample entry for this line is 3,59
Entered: 1,10
